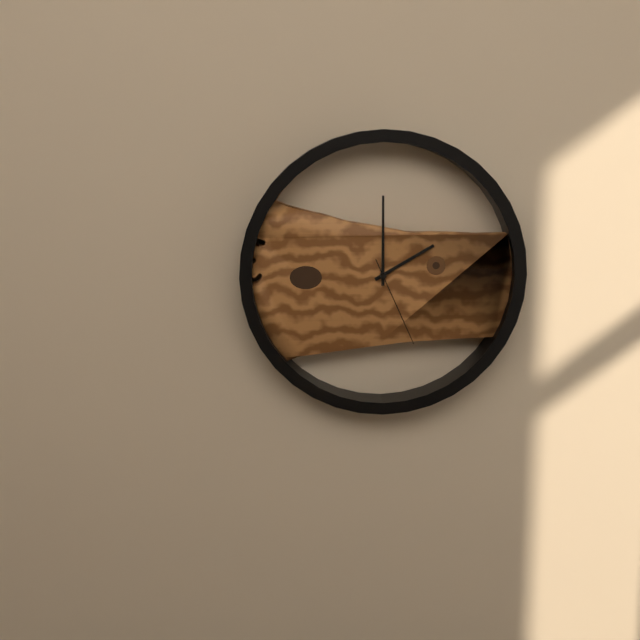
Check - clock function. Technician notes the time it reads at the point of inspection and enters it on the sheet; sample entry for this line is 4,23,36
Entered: 2,00,26
